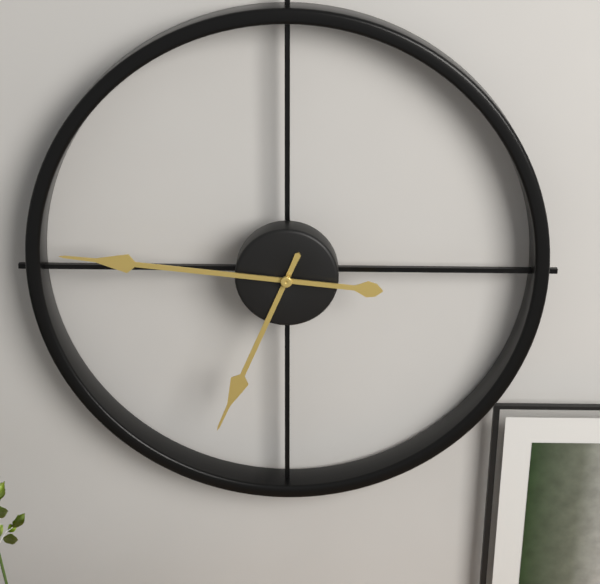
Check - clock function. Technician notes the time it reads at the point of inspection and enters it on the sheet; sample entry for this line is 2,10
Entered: 6,46
